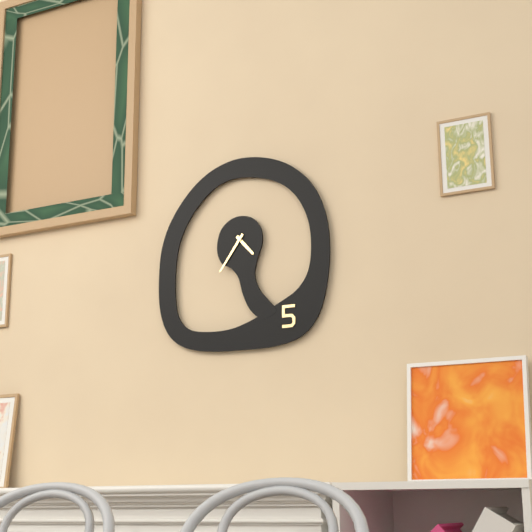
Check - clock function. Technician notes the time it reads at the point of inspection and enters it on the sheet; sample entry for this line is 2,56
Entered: 4,36
